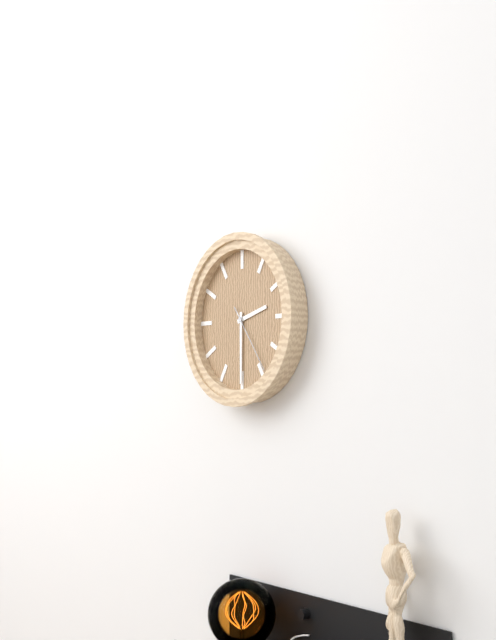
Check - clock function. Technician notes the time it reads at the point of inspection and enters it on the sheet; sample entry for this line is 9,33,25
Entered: 2,30,24
